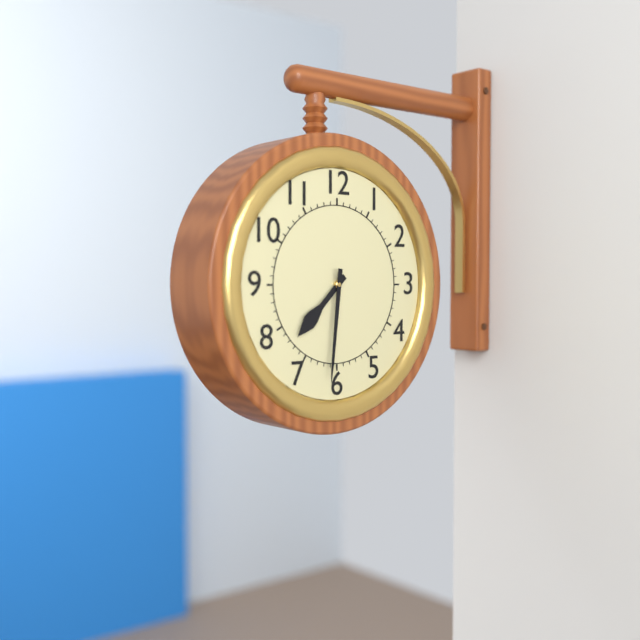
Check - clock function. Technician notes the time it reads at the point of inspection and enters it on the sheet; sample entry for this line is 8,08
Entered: 7,31
